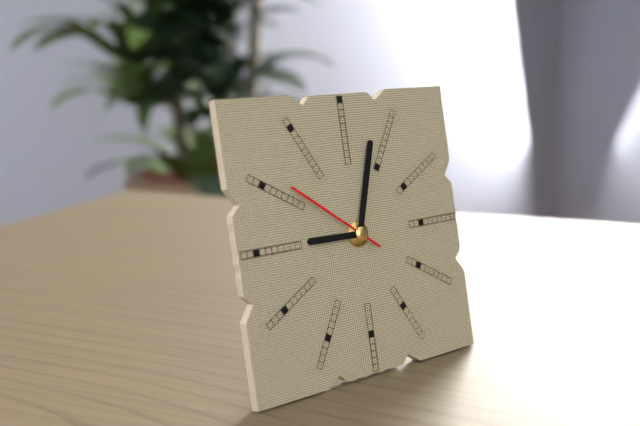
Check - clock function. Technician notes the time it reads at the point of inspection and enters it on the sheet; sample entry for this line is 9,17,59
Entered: 9,03,51
